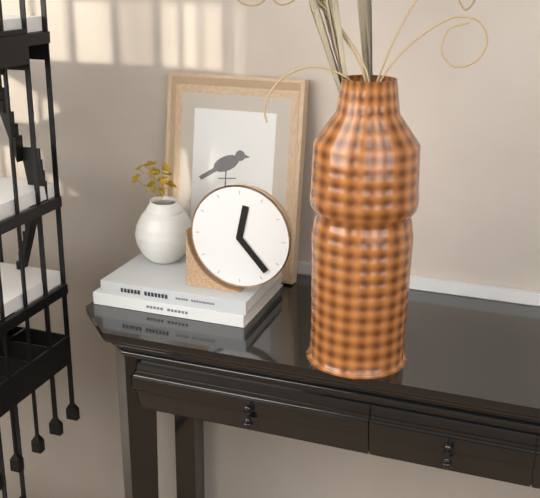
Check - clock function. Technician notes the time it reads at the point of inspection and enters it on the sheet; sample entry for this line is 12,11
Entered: 12,23
